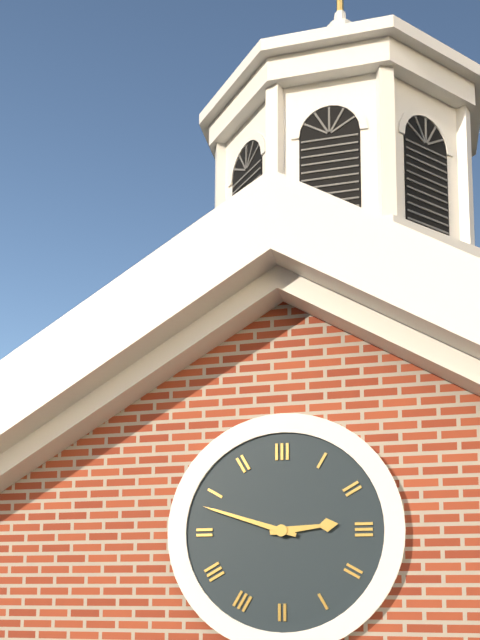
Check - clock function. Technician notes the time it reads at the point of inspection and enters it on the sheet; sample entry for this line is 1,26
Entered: 2,48
